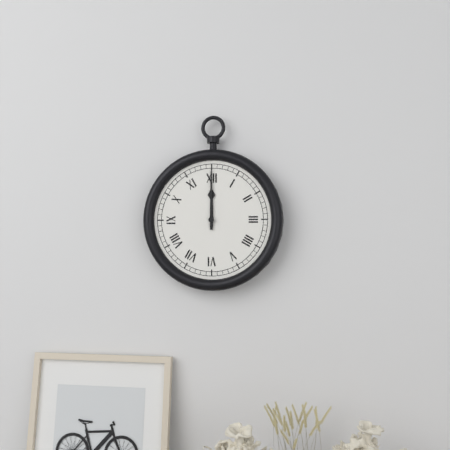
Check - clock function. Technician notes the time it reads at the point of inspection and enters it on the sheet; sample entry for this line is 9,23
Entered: 12,00
